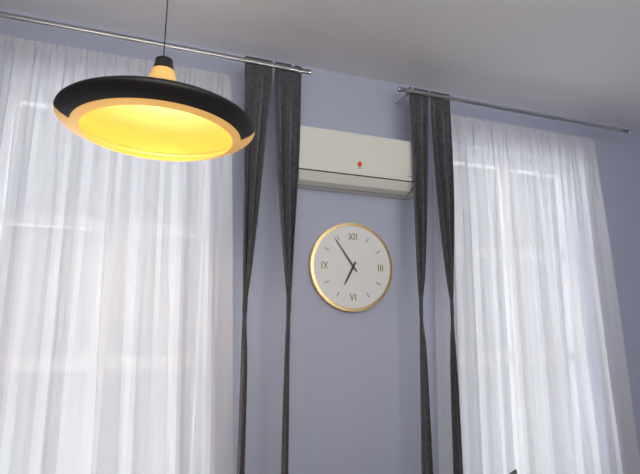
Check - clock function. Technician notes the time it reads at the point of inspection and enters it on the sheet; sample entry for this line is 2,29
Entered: 6,54
